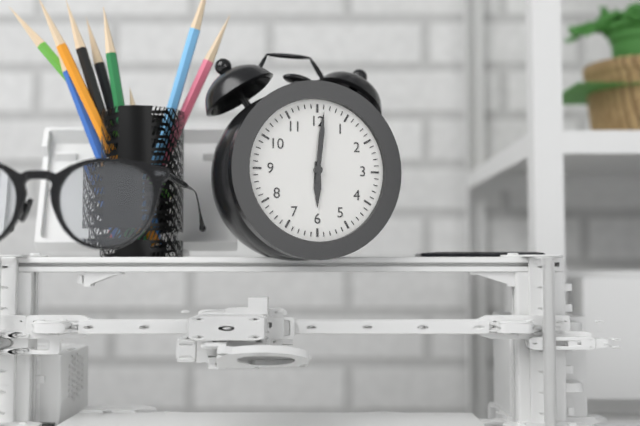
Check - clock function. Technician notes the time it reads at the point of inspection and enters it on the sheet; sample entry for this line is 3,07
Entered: 6,01
